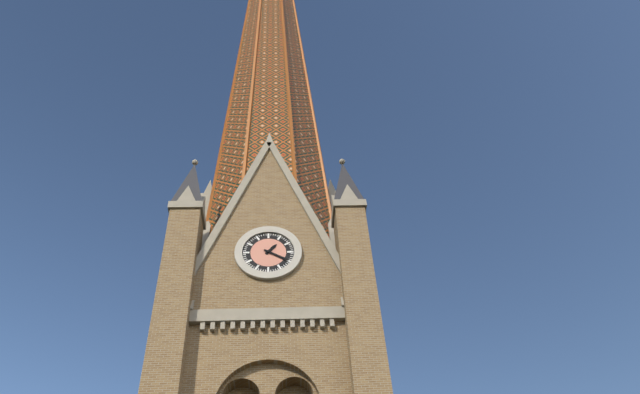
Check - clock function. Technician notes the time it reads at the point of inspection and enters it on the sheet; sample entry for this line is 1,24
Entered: 1,20
